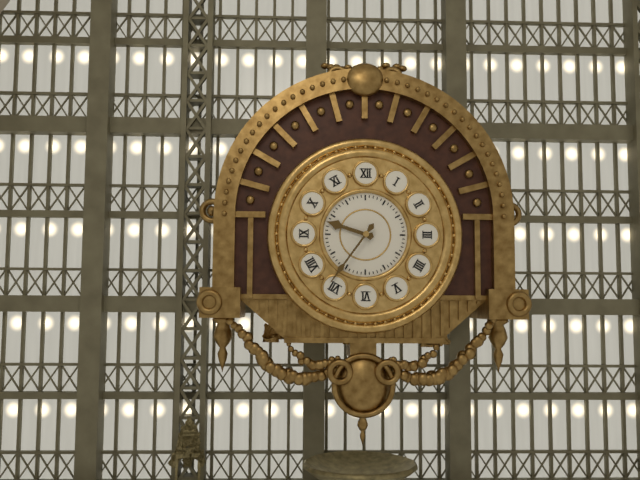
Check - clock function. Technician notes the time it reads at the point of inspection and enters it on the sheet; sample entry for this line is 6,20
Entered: 9,36
